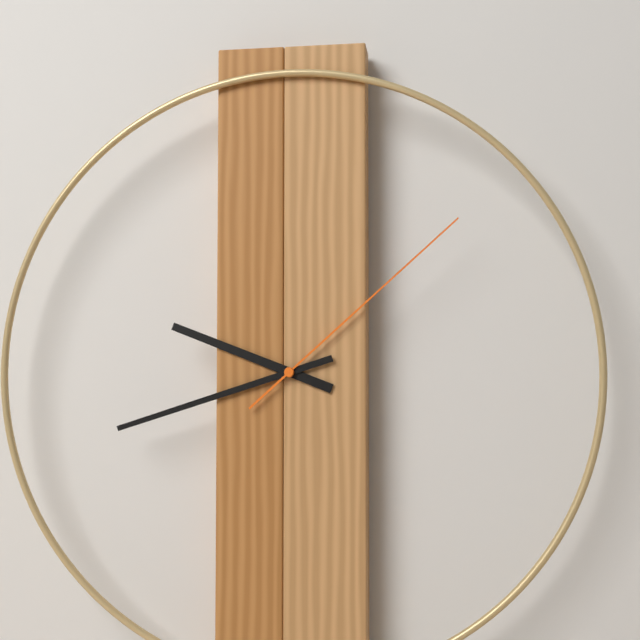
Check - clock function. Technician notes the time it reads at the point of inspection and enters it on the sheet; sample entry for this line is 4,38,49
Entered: 9,42,08
